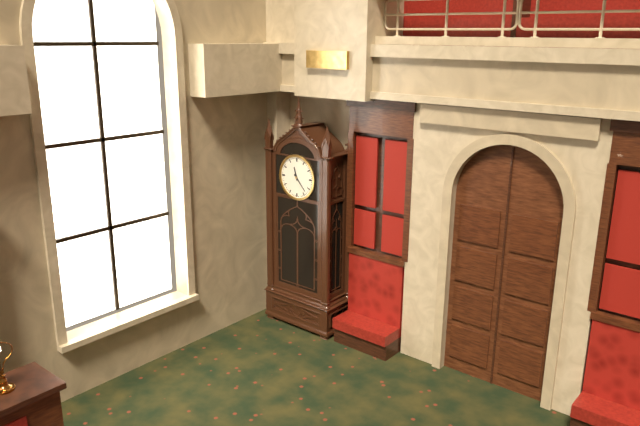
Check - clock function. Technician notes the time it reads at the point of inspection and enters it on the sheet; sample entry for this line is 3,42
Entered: 11,23
